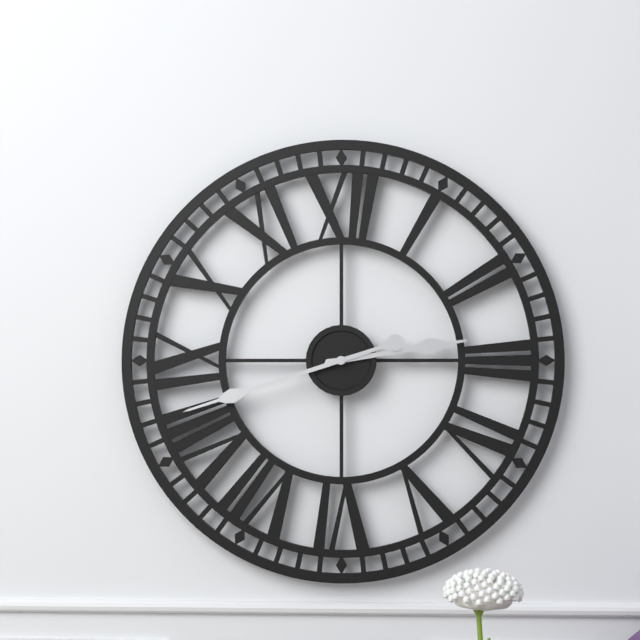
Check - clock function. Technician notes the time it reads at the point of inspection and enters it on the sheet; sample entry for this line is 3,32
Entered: 2,42
